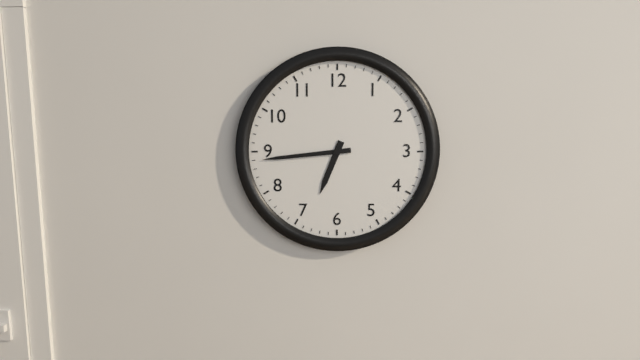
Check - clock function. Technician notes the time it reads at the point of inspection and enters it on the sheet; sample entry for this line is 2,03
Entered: 6,44
